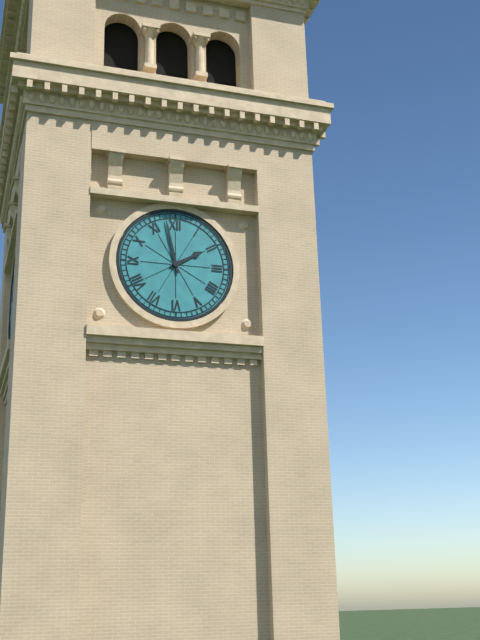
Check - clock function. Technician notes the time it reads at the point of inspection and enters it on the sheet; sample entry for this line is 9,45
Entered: 1,58
